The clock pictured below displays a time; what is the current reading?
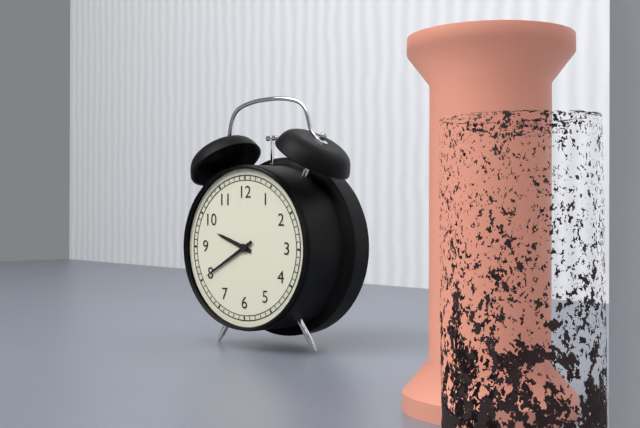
9:40
